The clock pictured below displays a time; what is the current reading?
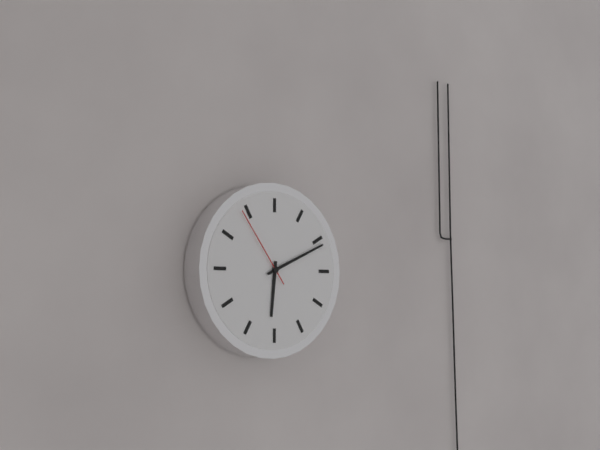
6:11:54
